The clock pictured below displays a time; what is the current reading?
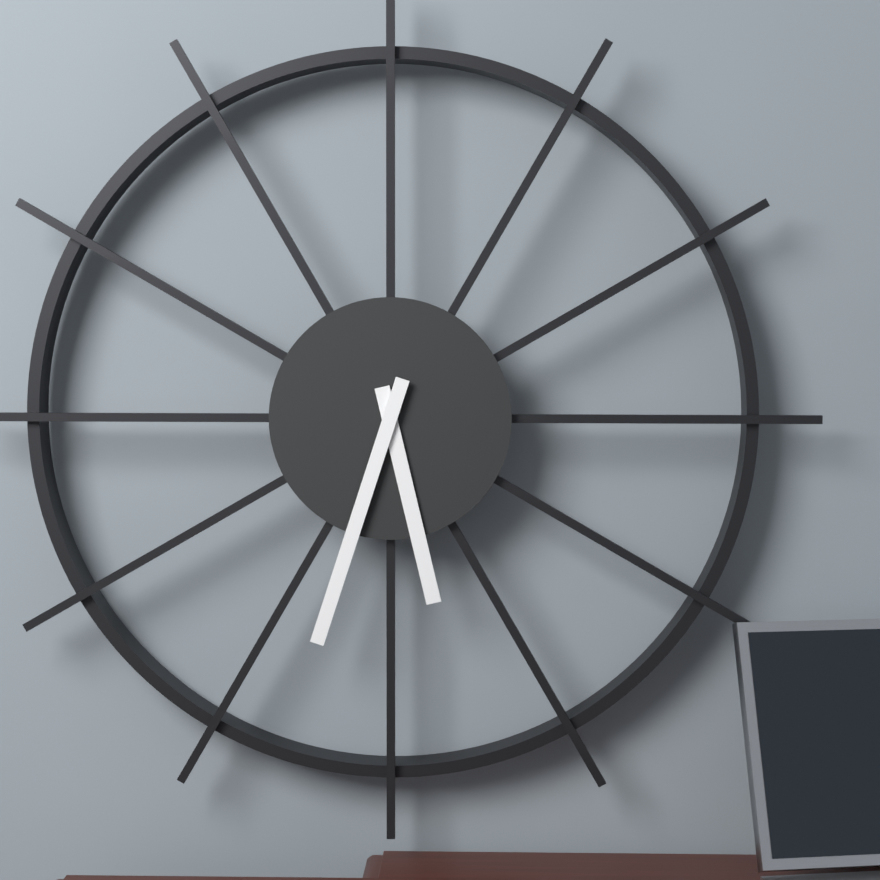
5:33
